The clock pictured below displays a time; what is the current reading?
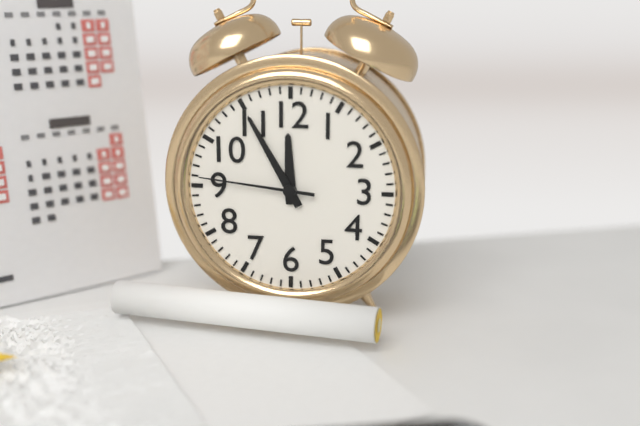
11:55:46
